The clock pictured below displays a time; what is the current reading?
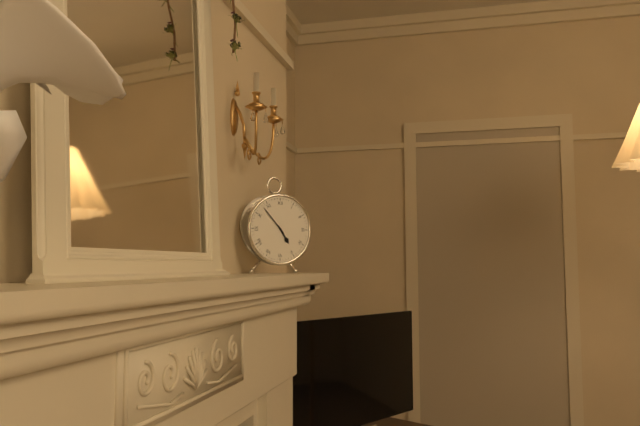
4:53
